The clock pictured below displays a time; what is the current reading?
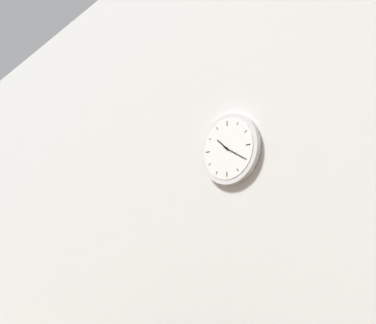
10:20
